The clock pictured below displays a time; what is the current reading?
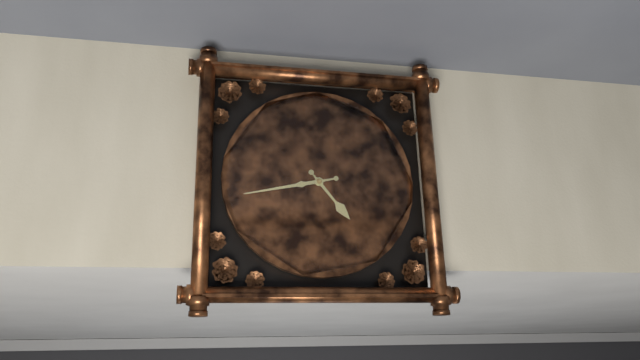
4:43
